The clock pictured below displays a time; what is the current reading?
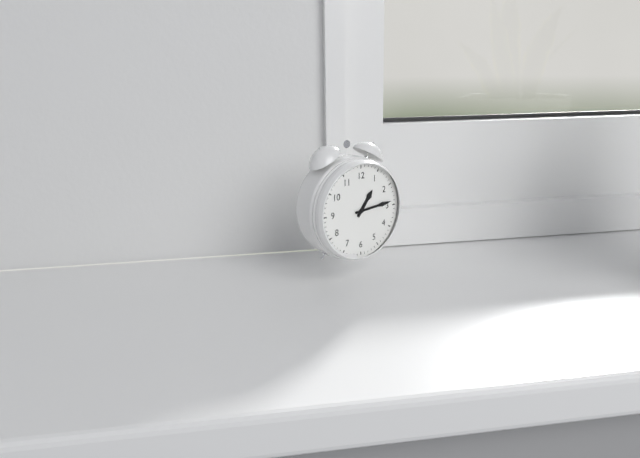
1:14
